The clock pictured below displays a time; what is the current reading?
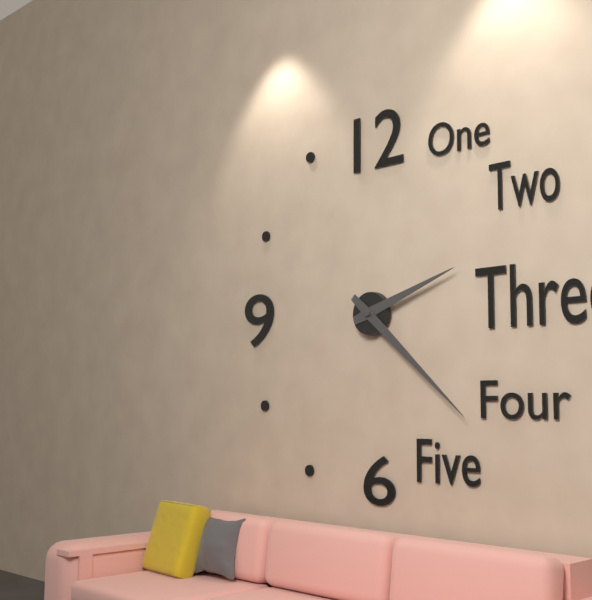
2:22
